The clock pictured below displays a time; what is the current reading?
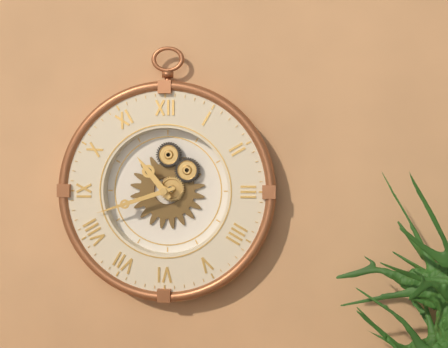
10:42
